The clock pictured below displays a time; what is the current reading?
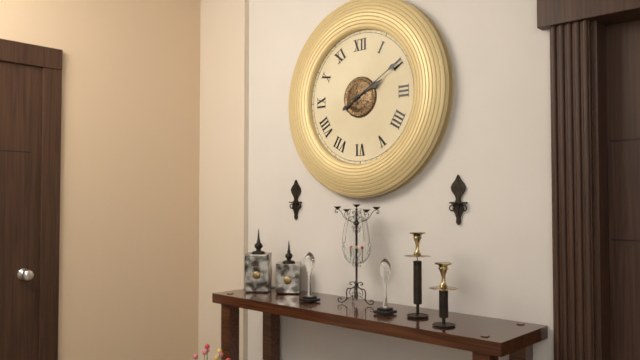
2:10
